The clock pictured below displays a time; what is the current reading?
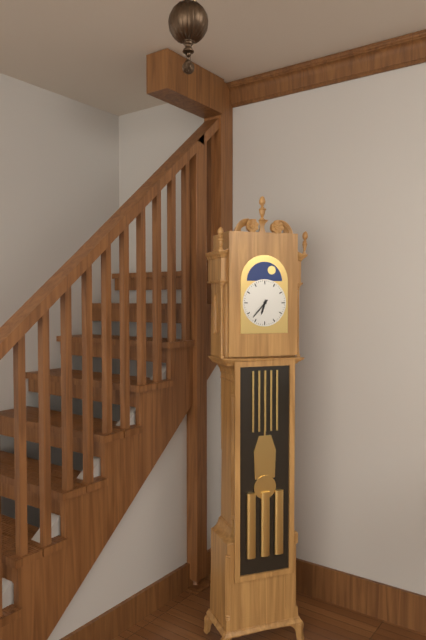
6:37
